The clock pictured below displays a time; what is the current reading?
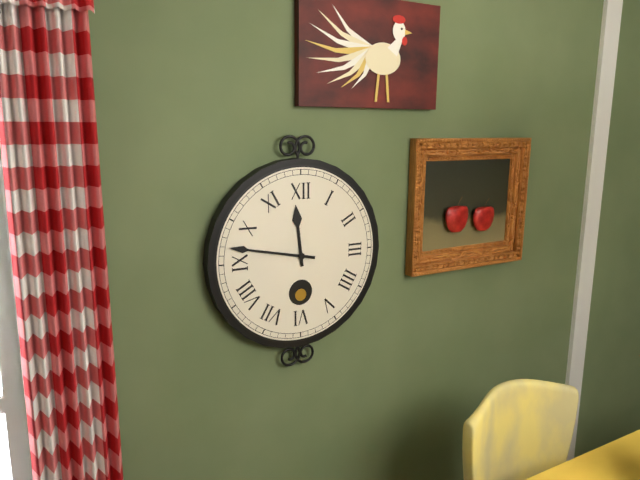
11:47
